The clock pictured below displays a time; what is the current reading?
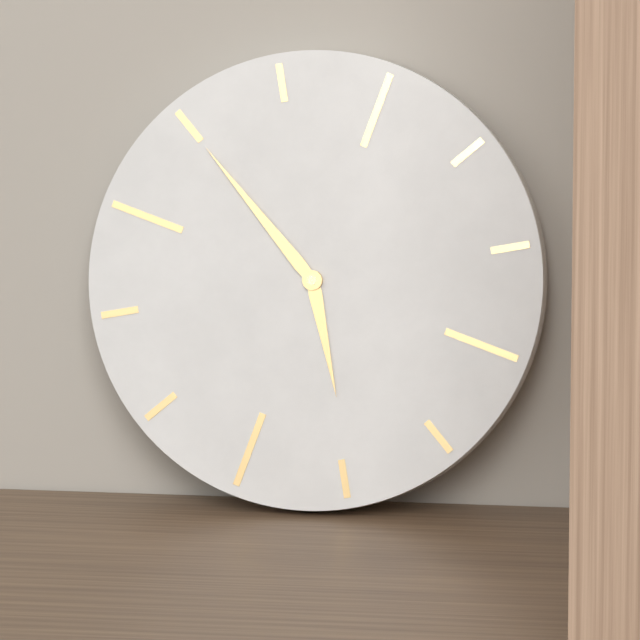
5:55
